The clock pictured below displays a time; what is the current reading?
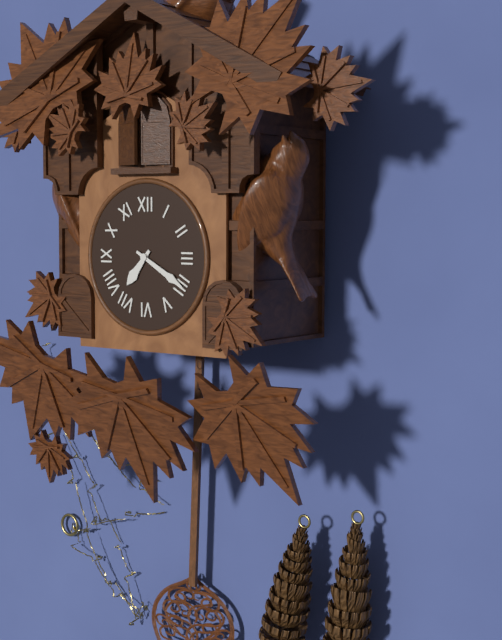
7:20
